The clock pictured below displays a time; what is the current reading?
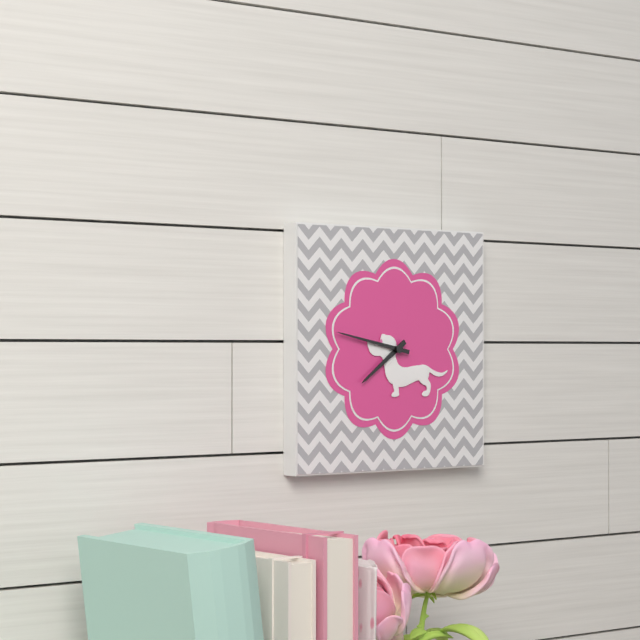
7:47
